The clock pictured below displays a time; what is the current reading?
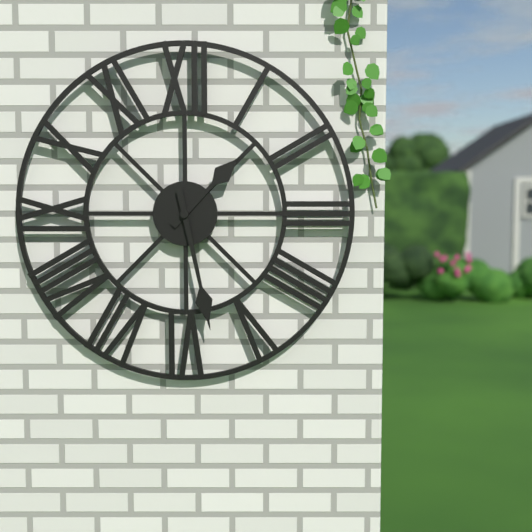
1:28
